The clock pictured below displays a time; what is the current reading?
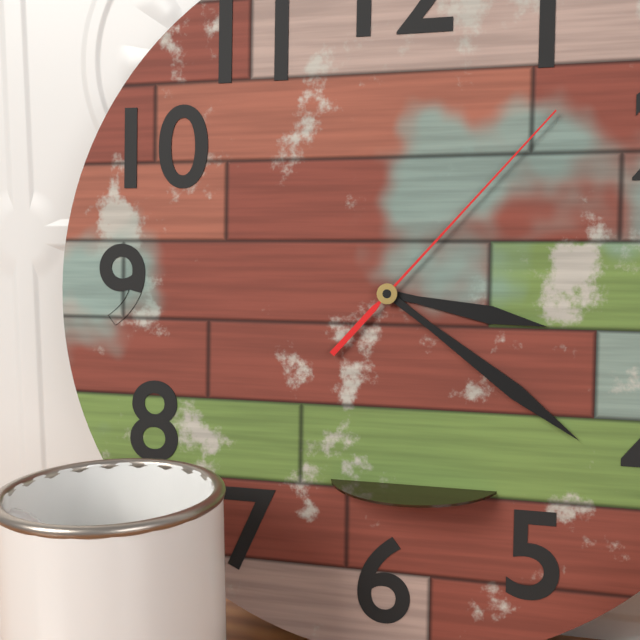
3:21:07
